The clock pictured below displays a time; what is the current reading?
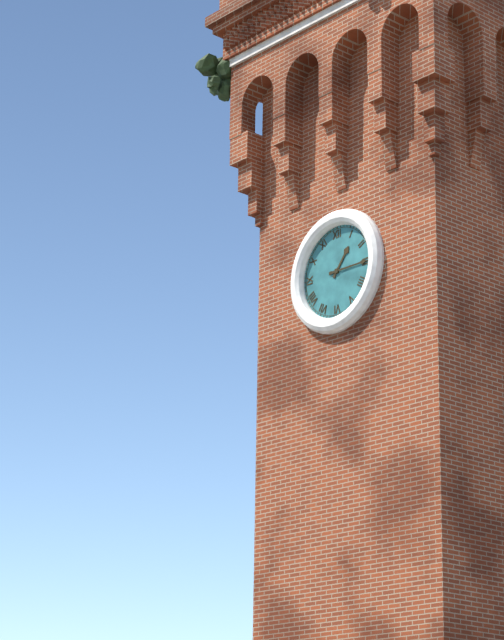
1:15
